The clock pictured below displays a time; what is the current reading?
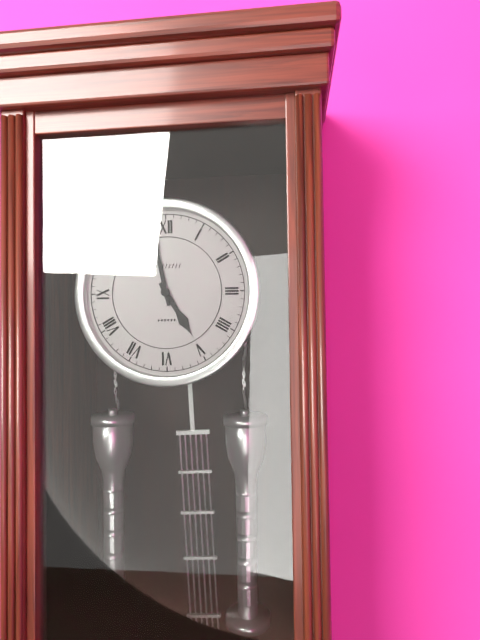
4:58
